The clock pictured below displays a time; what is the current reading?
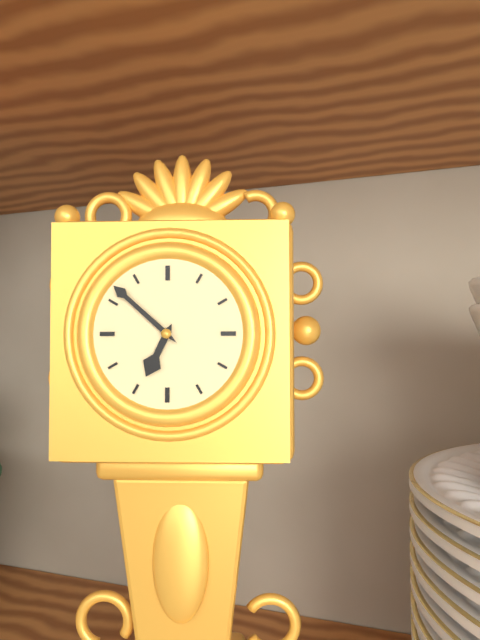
6:52
